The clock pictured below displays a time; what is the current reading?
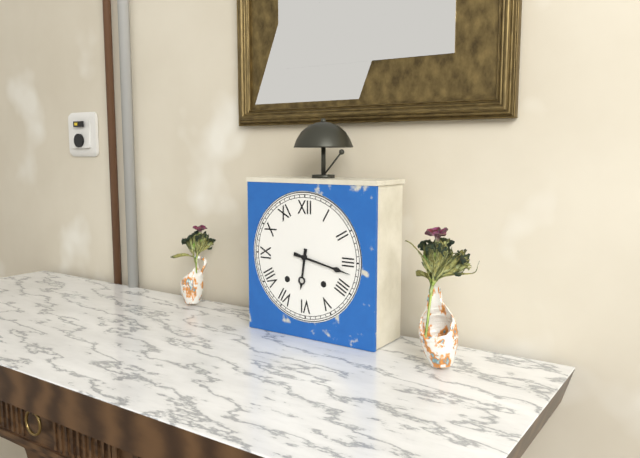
6:17
